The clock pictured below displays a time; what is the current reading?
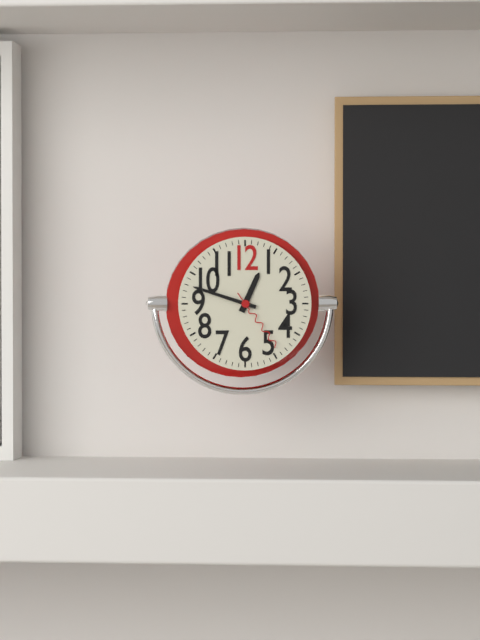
12:48:24
